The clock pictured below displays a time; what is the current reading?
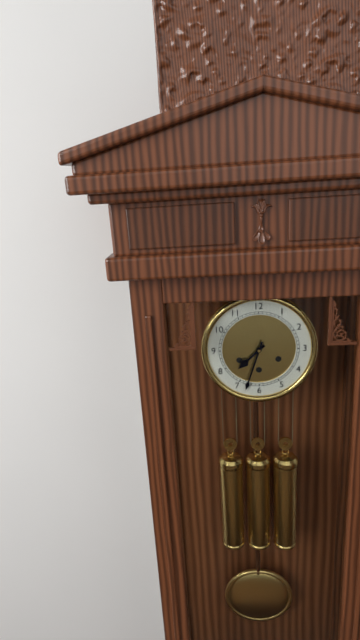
7:33
